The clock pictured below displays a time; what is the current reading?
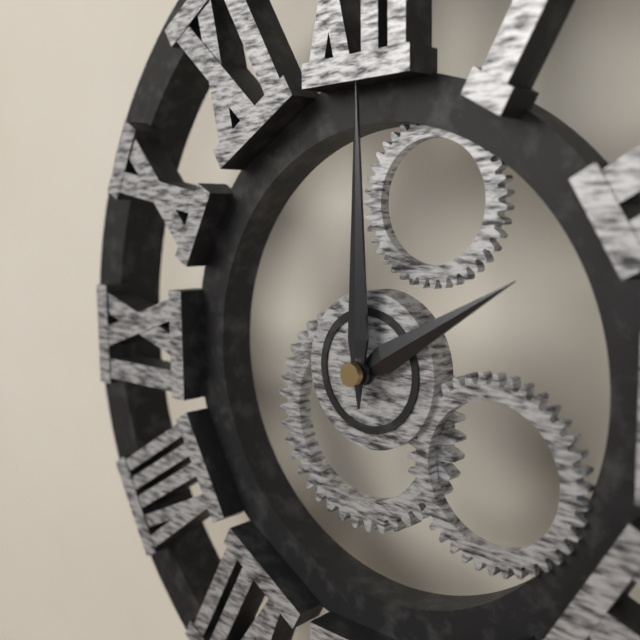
2:00
